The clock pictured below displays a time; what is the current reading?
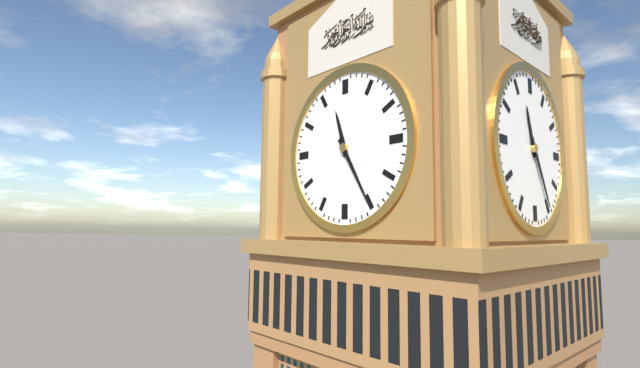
11:25
